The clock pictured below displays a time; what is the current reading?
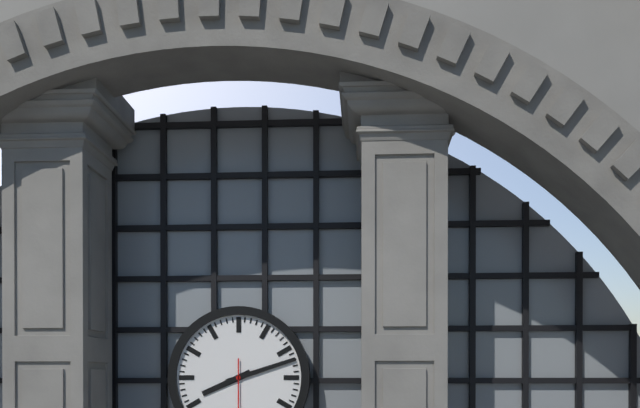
8:12
